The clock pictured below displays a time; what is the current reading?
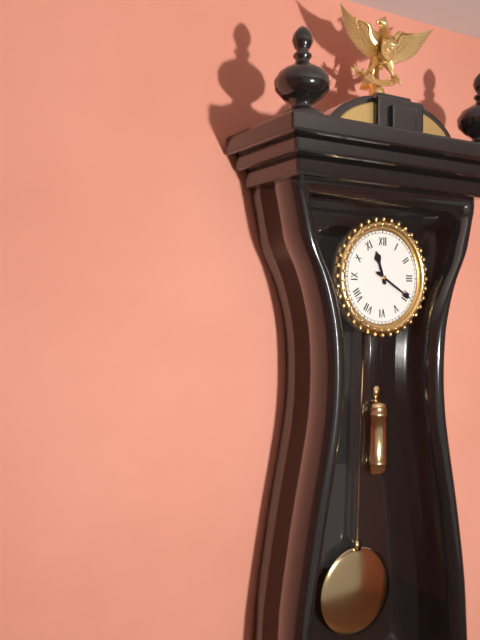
11:20
